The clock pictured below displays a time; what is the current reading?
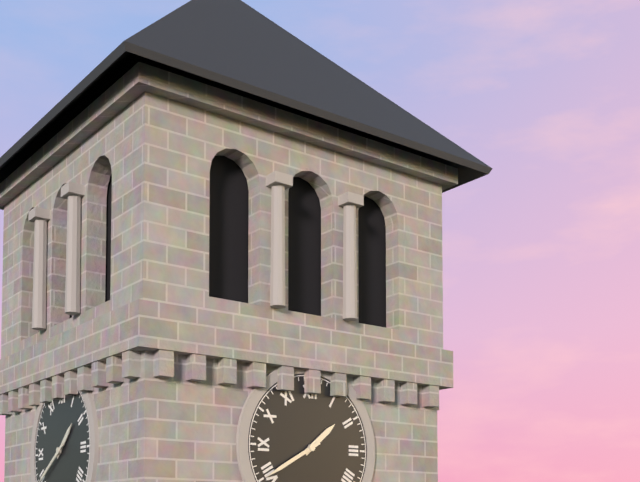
1:40
